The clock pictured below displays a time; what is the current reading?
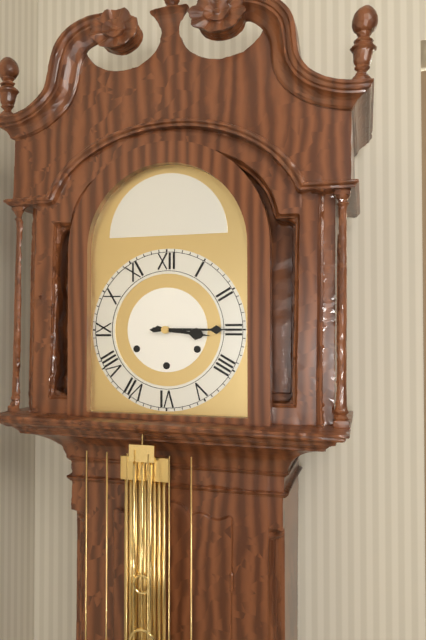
3:15
